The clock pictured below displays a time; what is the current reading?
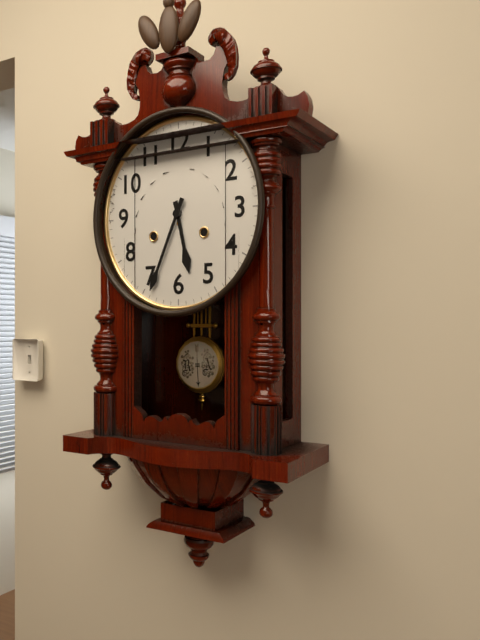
5:34
